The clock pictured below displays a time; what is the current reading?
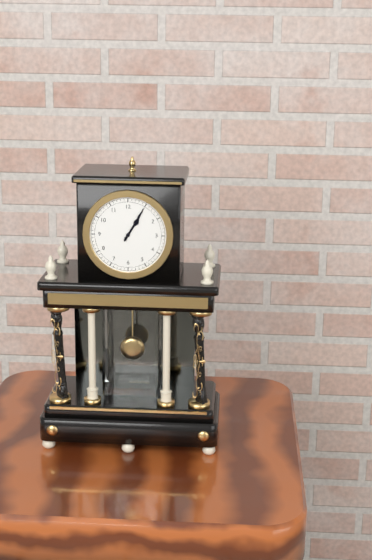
1:05
